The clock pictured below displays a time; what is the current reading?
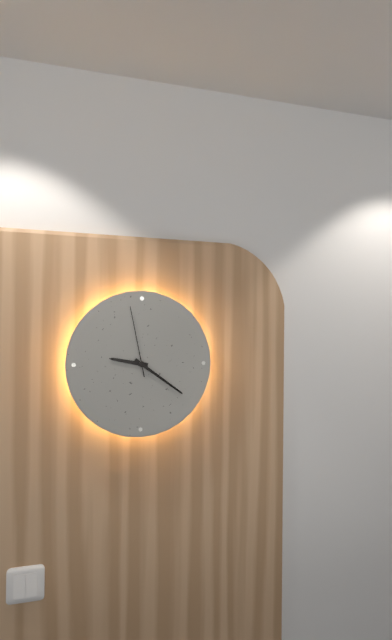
9:21:58
